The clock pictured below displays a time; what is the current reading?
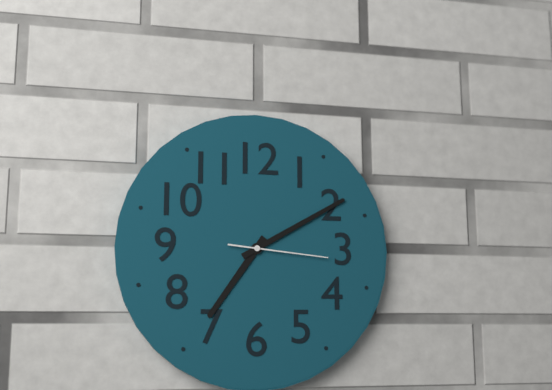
7:10:16
